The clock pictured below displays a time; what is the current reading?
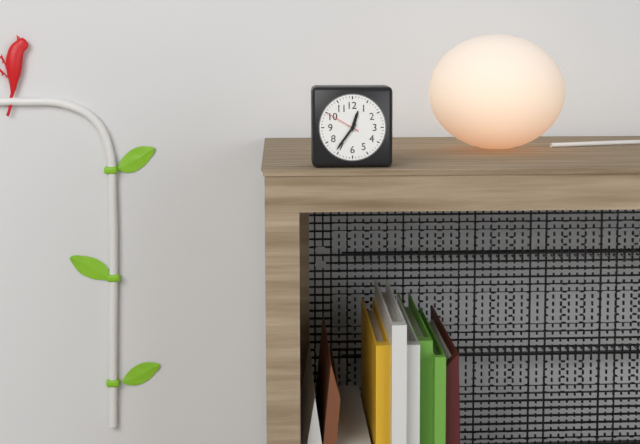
12:36
